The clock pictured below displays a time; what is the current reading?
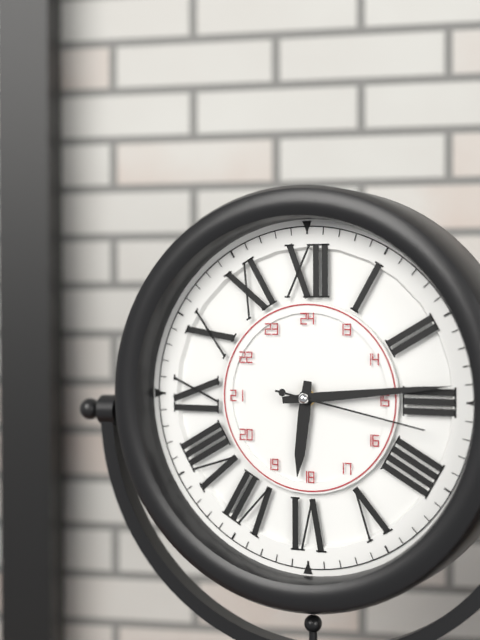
6:14:17
